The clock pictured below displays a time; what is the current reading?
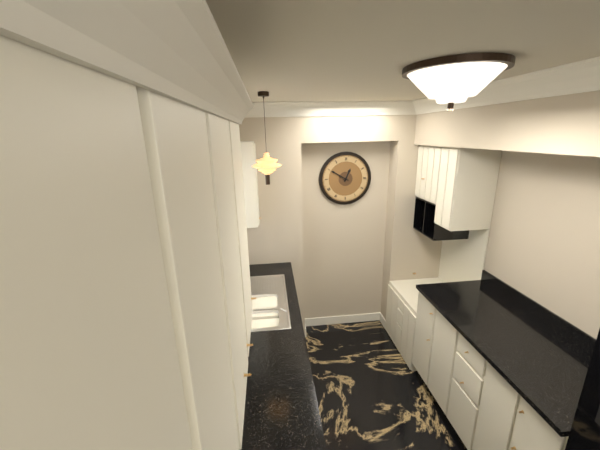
12:50
